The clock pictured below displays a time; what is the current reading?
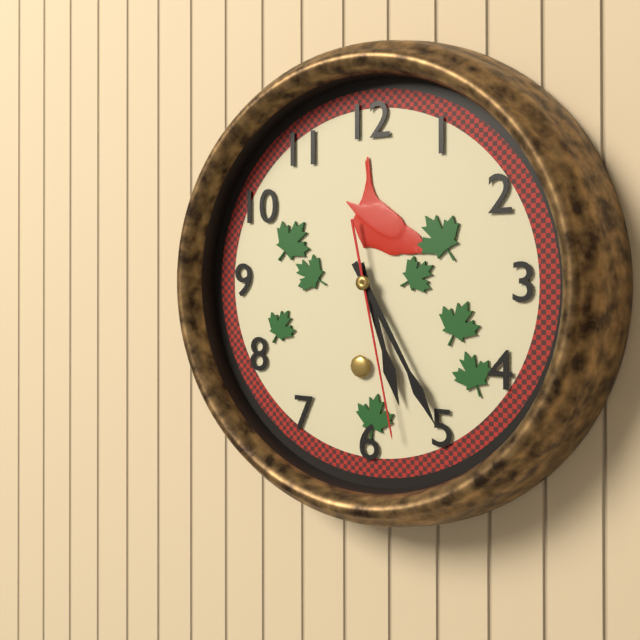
5:25:28
